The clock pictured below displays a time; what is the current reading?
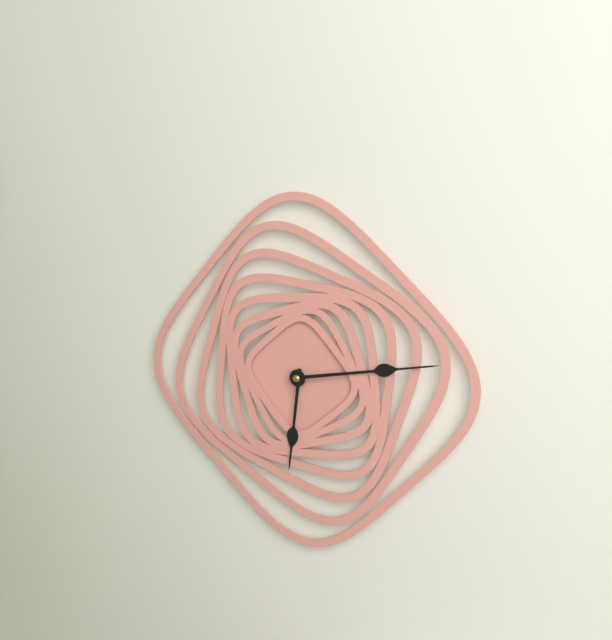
6:13
